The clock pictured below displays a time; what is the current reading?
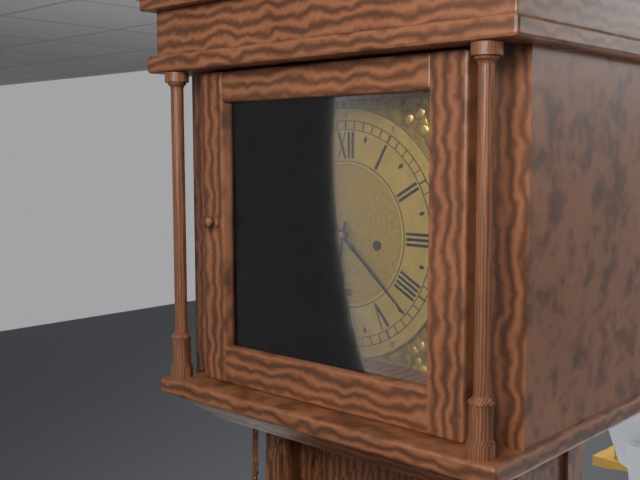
6:22
